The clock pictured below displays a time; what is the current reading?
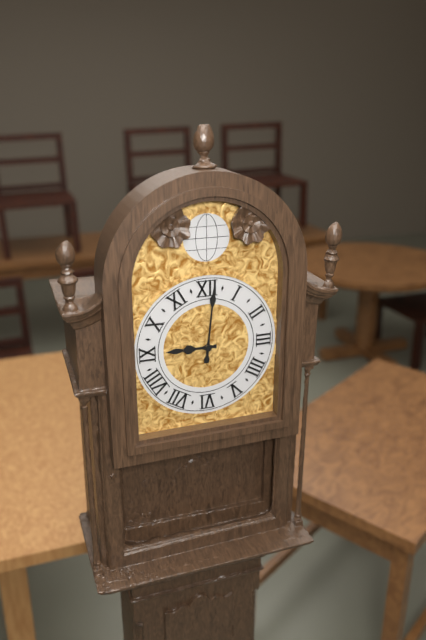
9:01
